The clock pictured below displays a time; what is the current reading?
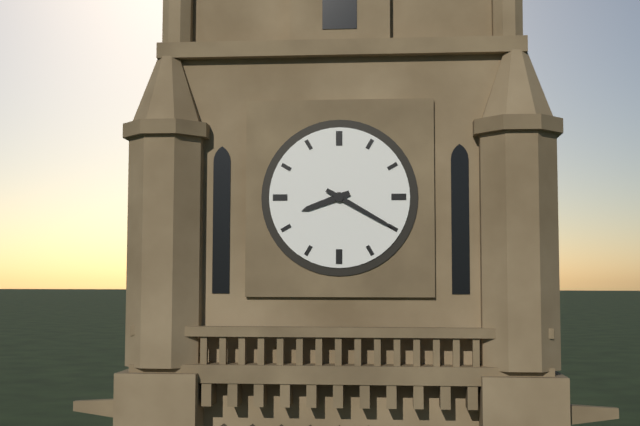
8:20
